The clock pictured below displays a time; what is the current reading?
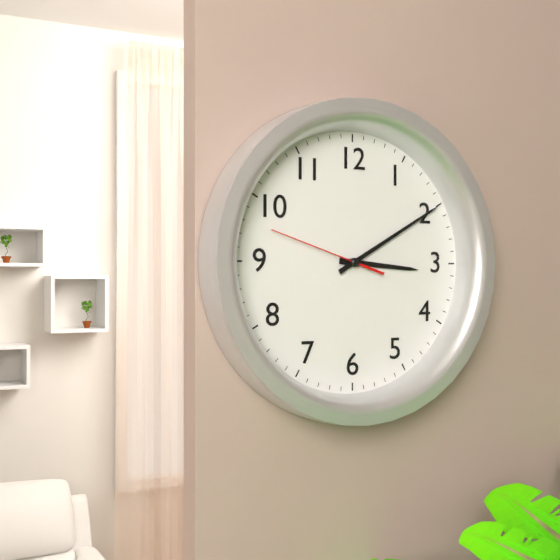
3:10:48
